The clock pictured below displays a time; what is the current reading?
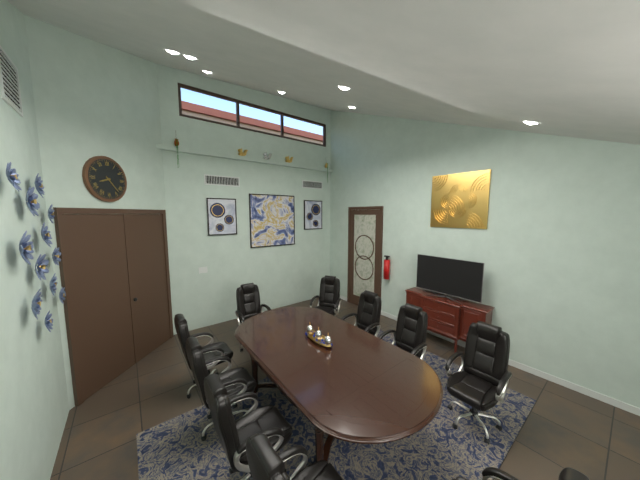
8:23
